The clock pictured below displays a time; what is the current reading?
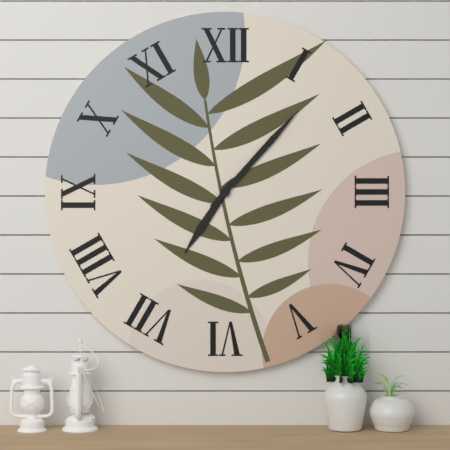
7:07
